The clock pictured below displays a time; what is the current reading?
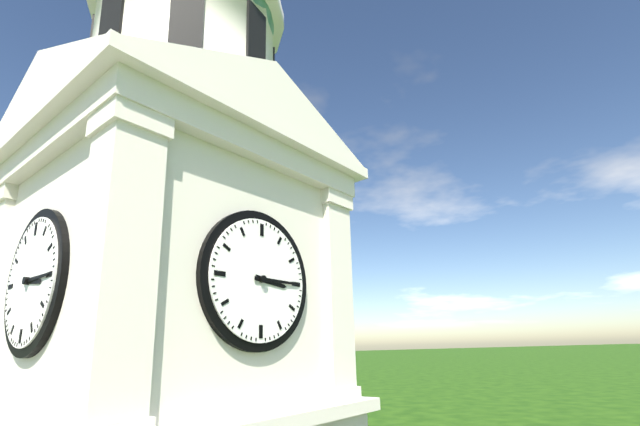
3:15
